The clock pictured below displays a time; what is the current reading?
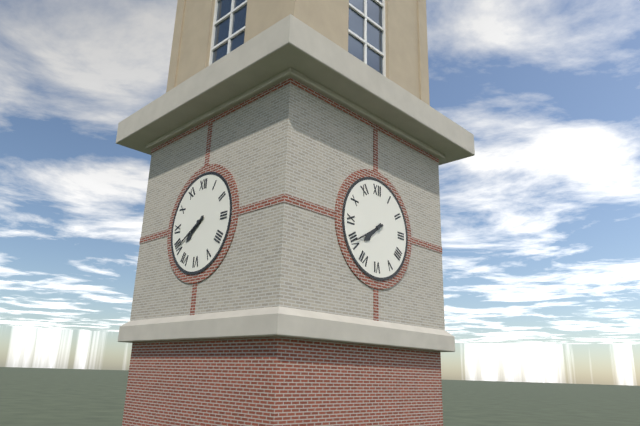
7:40
